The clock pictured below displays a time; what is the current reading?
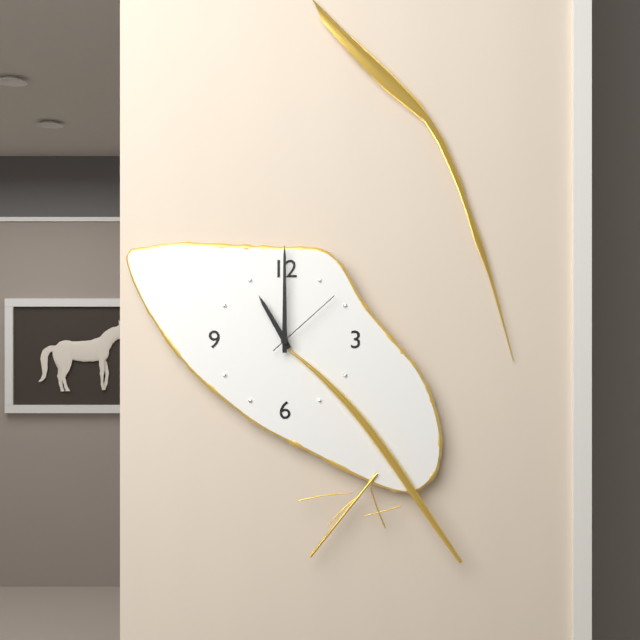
11:00:08
